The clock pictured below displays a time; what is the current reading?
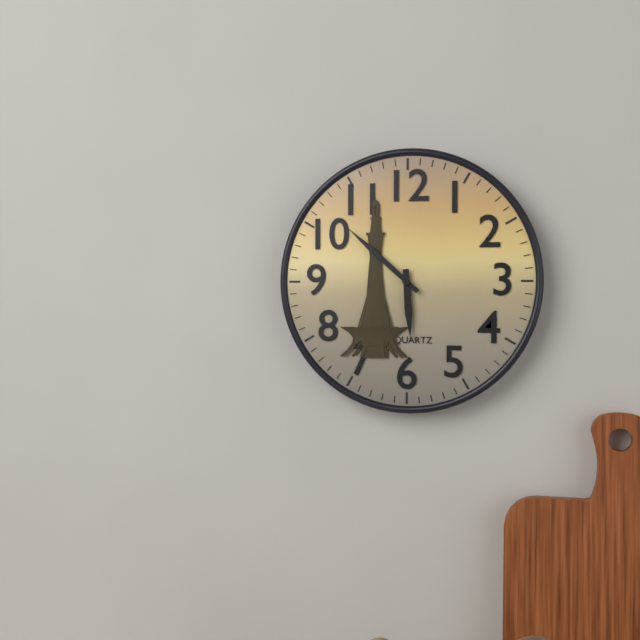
5:52
